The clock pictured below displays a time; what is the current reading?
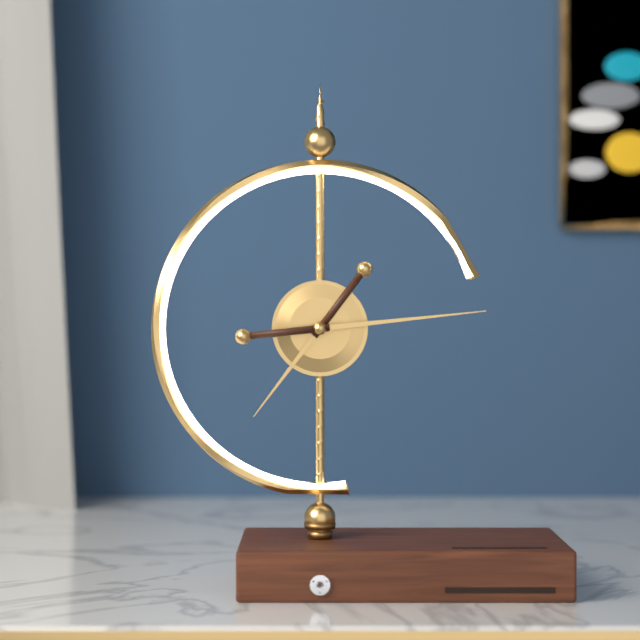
7:14
